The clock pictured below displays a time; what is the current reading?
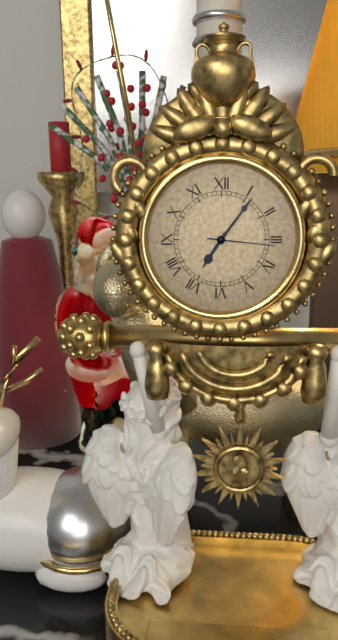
7:06:16
